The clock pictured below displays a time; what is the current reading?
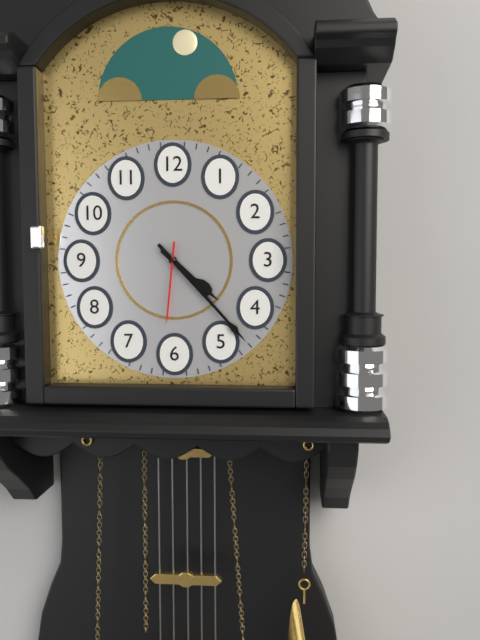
4:23:31
